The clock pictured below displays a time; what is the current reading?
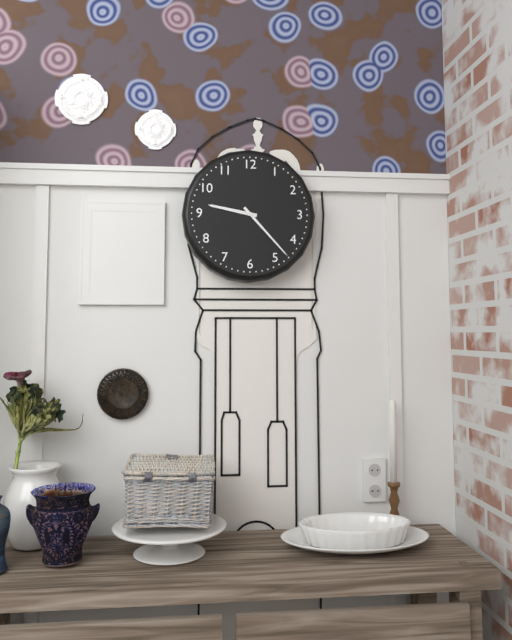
9:23
